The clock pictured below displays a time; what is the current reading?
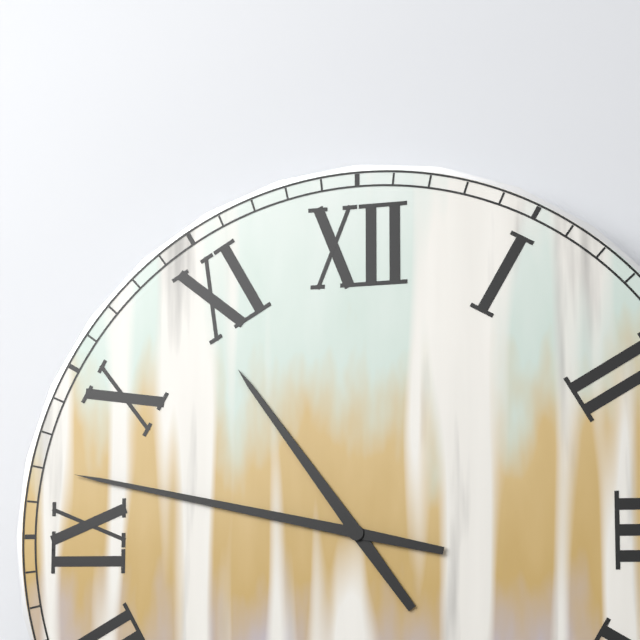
10:47
